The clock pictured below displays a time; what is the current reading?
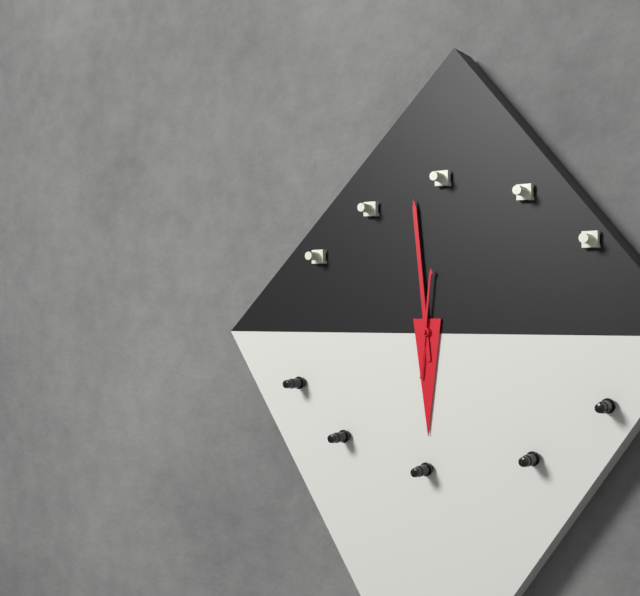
5:59:01
